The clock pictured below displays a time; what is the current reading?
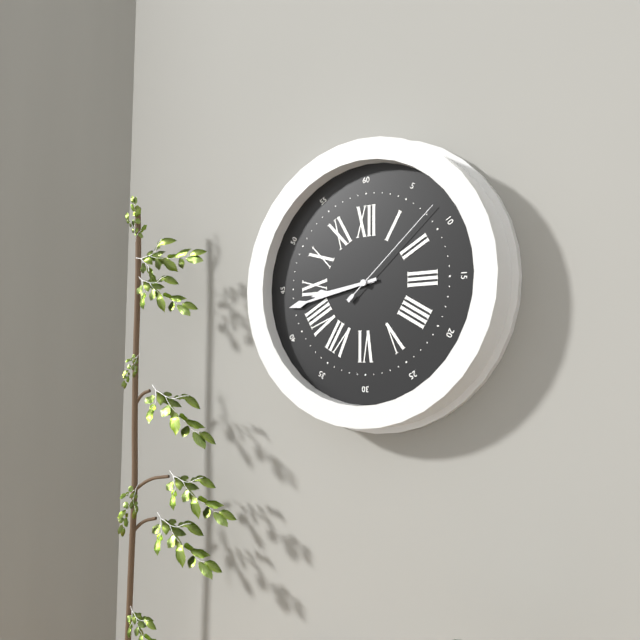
8:43:08
